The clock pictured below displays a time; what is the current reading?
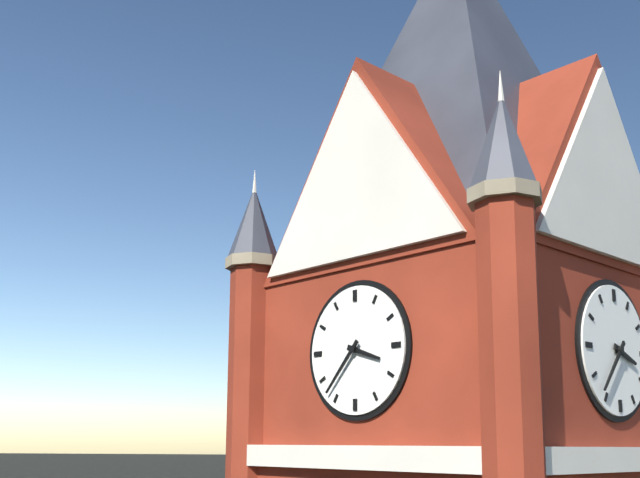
3:37
